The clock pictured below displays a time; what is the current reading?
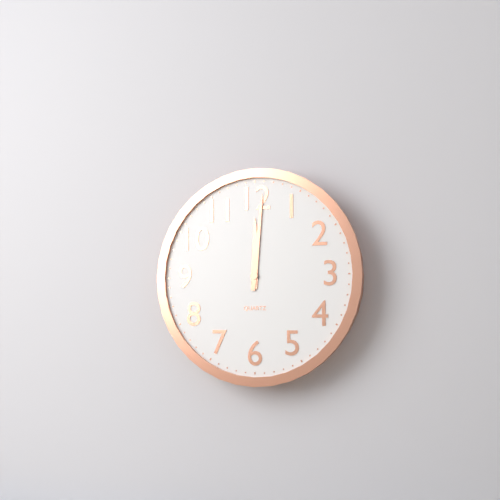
12:01
